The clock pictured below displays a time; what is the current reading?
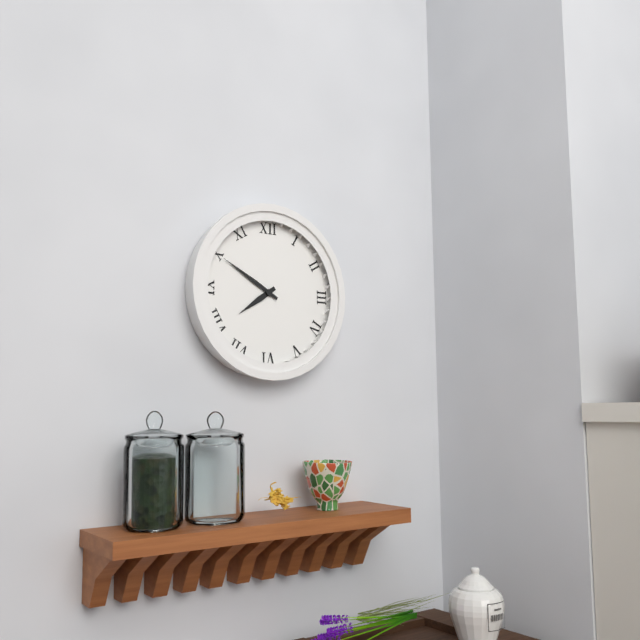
7:50
